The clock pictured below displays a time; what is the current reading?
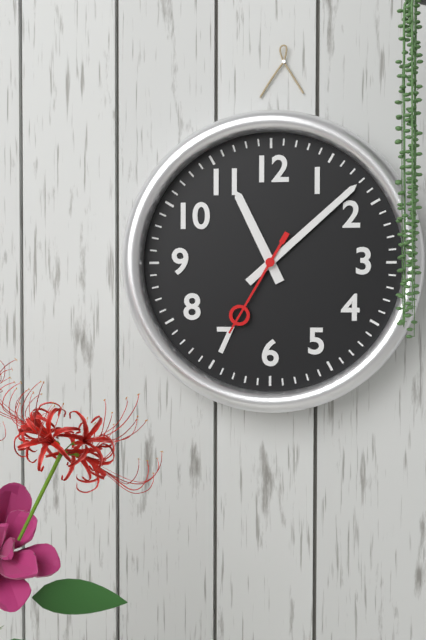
11:08:35
